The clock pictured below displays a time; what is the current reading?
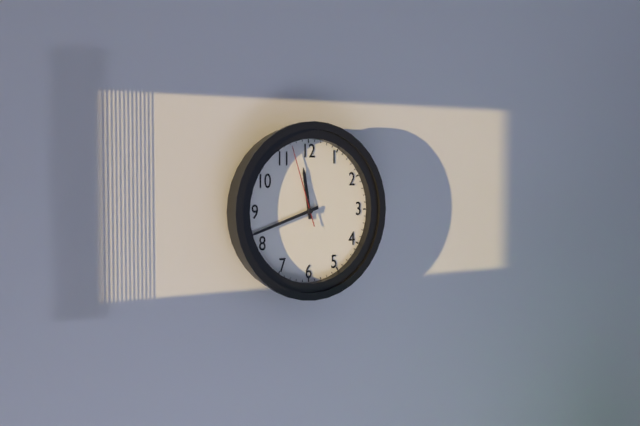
11:42:57
